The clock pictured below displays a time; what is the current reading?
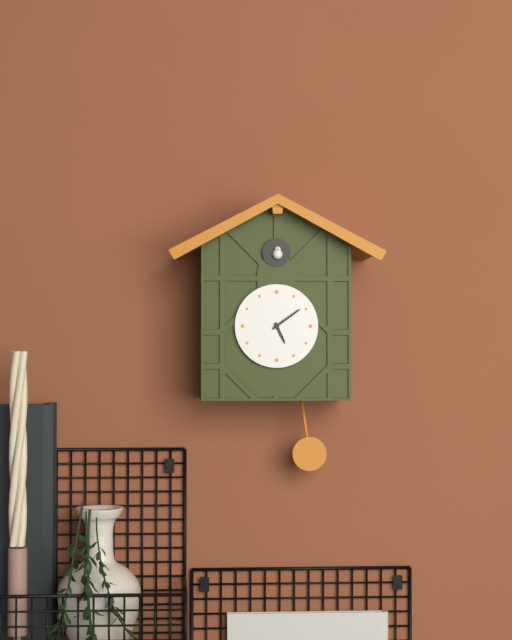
5:09
